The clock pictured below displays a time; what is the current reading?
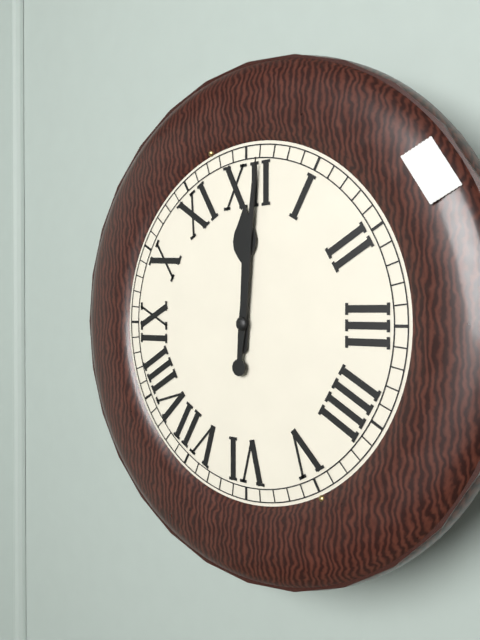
12:01
